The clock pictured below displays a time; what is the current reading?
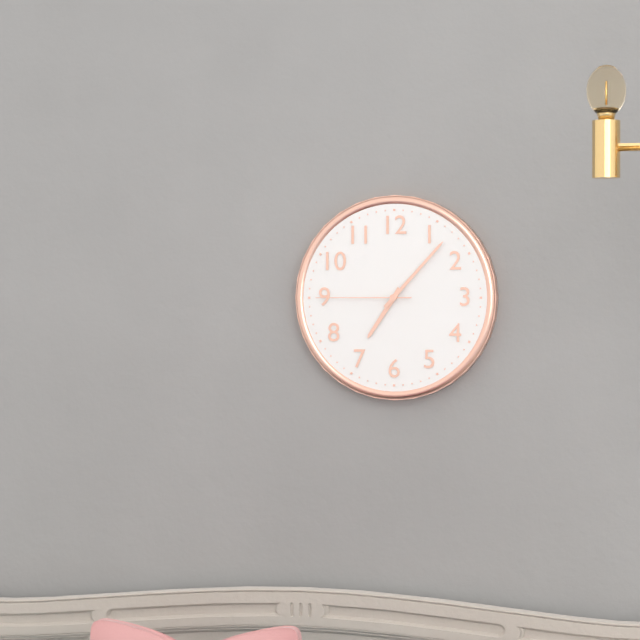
7:07:45
